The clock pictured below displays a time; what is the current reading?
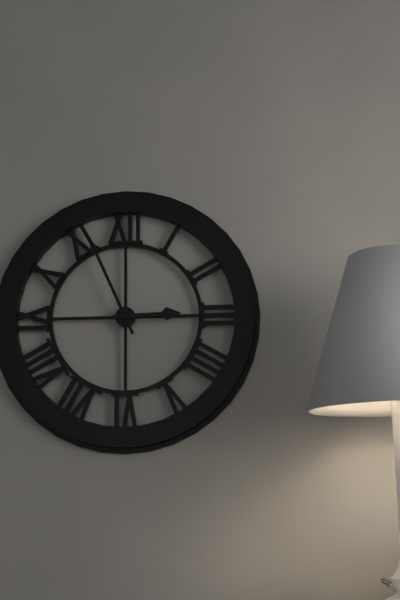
2:56
